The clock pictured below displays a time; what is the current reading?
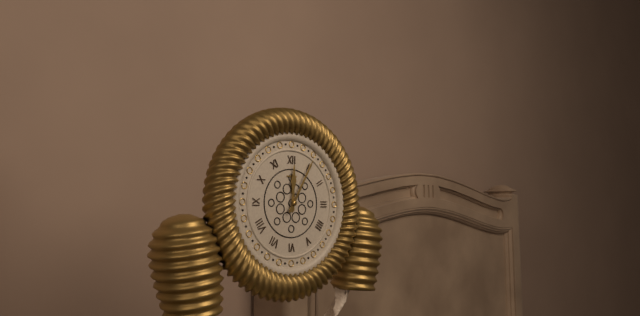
12:05
